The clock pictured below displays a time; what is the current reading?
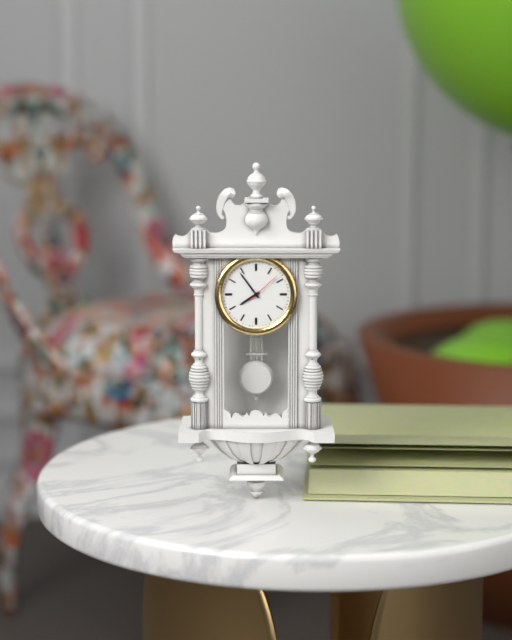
7:54
